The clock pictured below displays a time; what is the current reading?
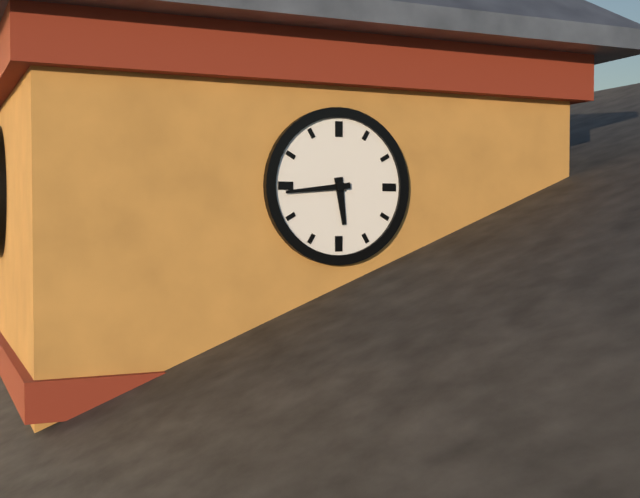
5:44
